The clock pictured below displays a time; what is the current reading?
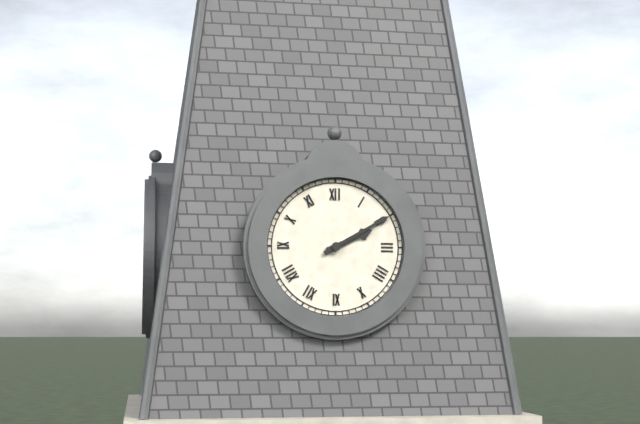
2:10
